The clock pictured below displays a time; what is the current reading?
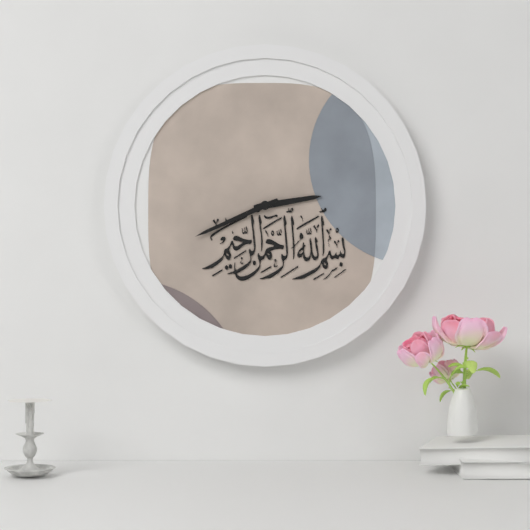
2:41
